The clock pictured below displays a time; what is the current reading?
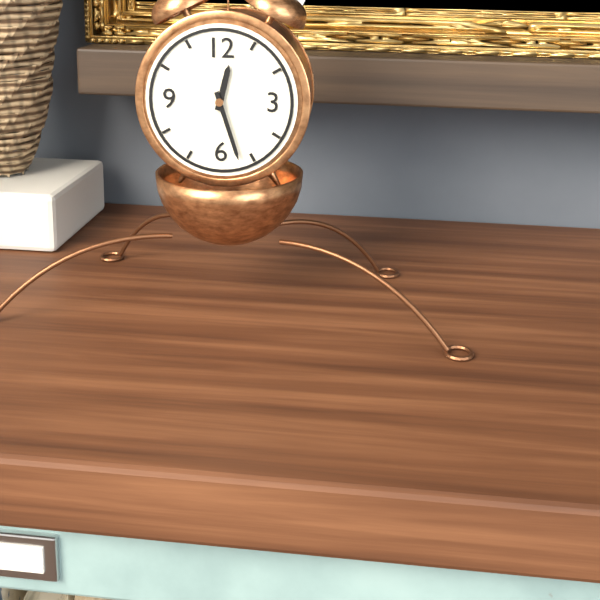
12:27
